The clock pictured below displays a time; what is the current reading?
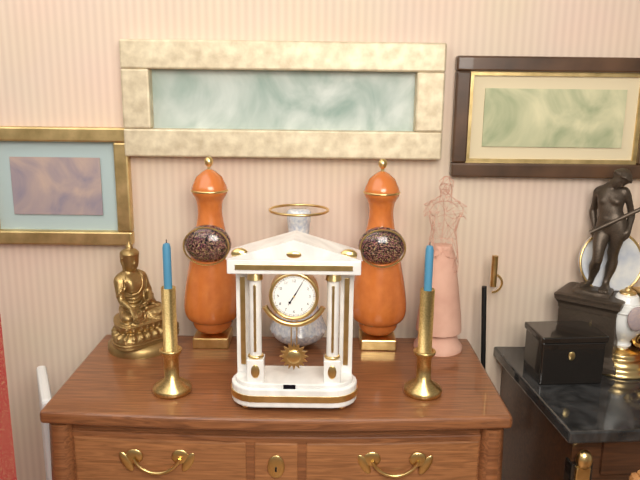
7:05
